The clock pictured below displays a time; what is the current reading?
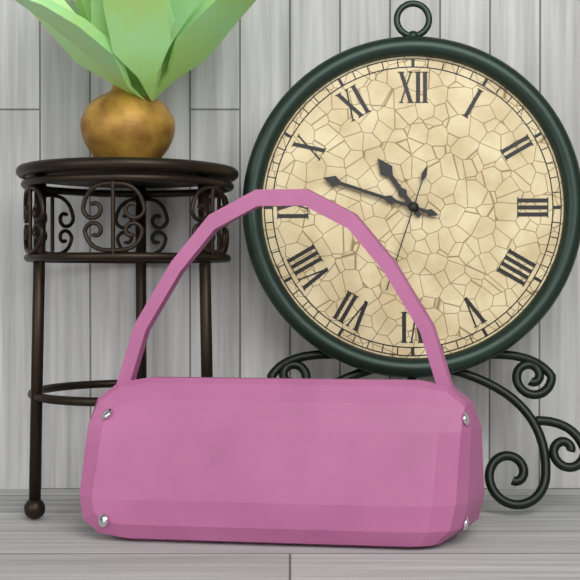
10:48:33
